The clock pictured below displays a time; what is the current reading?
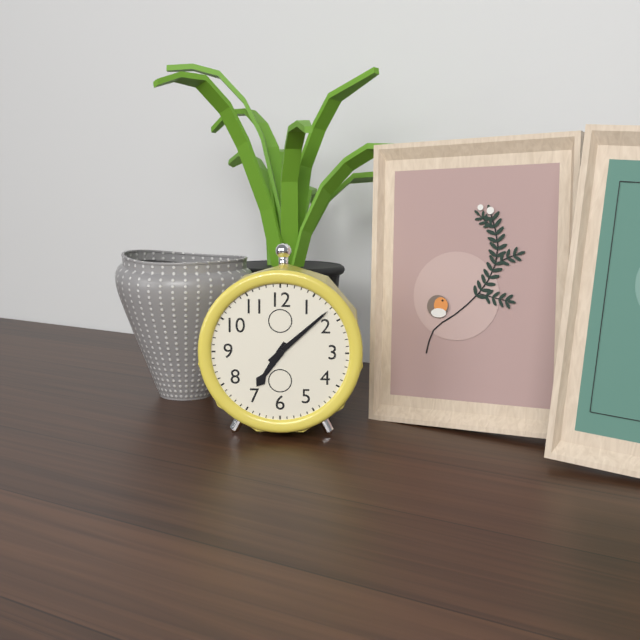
7:08
